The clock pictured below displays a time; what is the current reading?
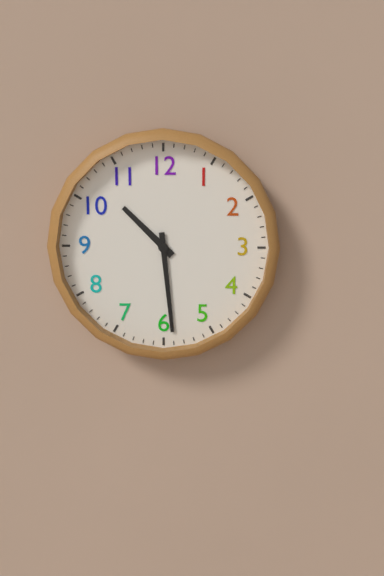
10:29
